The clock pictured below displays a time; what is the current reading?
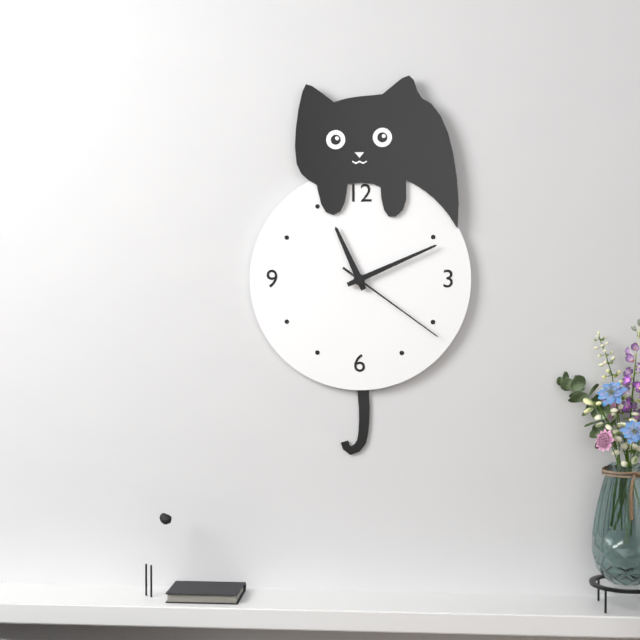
11:11:21
